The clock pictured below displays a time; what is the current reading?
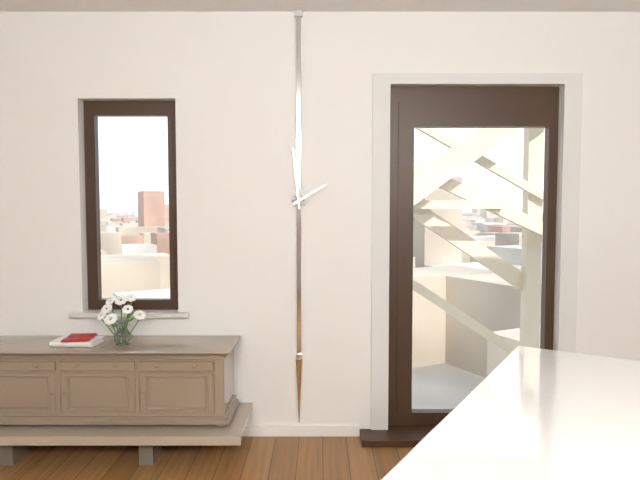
1:59
